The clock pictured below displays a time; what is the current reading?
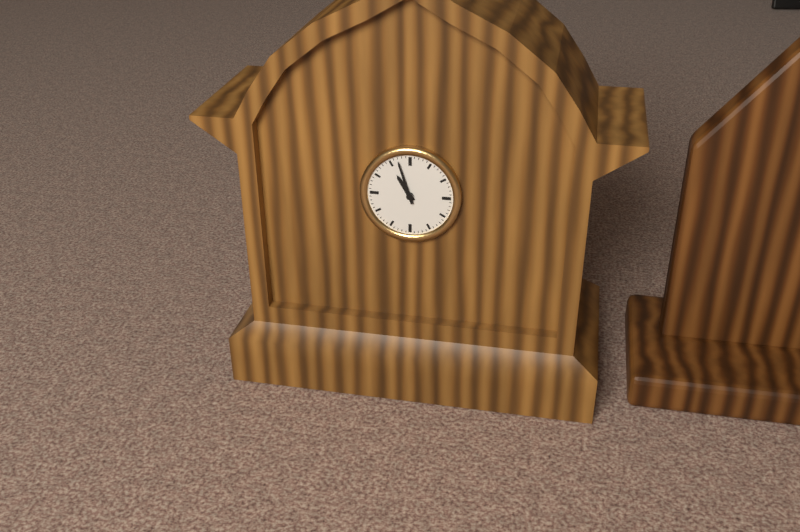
10:57
